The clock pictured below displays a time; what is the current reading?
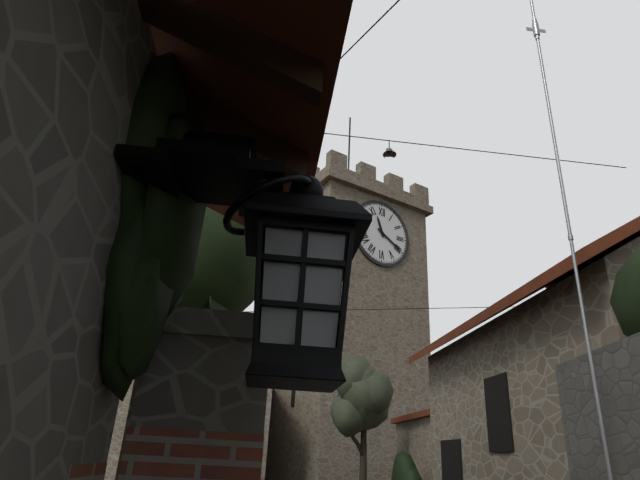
11:20
